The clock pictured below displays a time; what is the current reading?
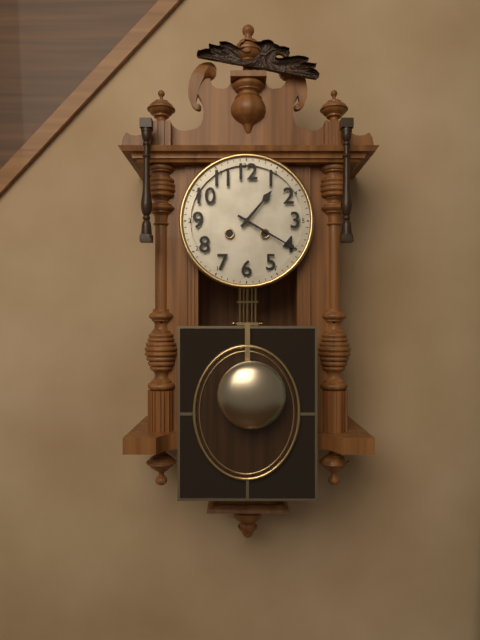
1:20
